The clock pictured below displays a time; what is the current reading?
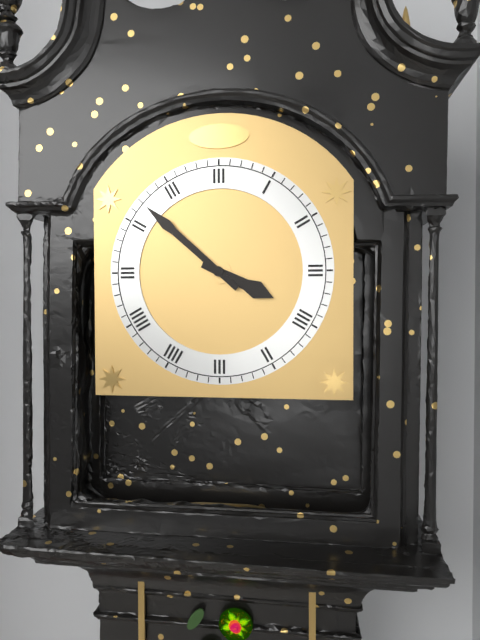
3:52
